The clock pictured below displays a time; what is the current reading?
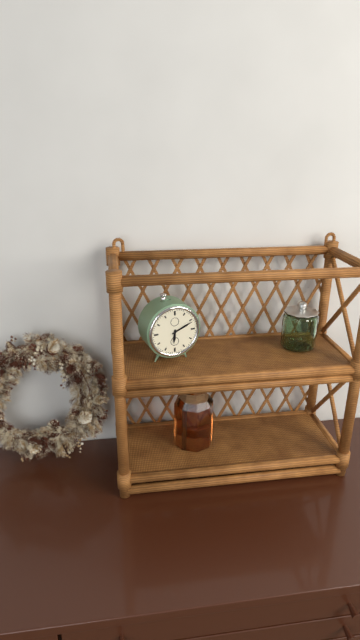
6:11
